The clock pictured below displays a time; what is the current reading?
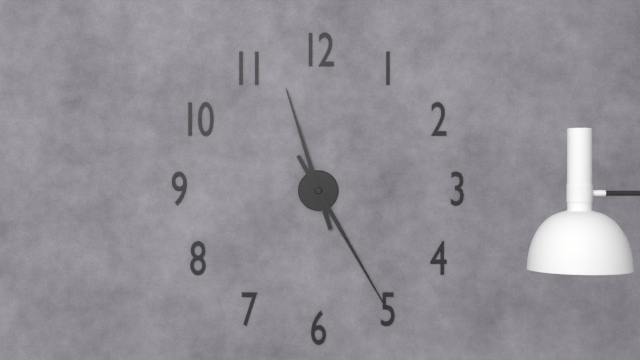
11:25
